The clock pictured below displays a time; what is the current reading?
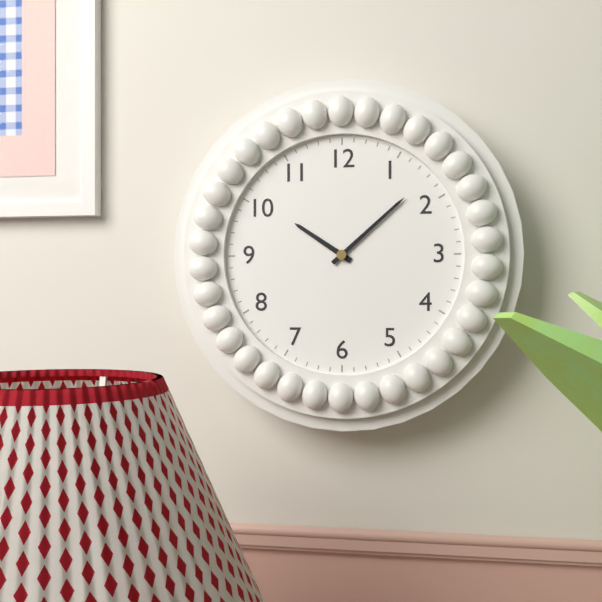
10:08
